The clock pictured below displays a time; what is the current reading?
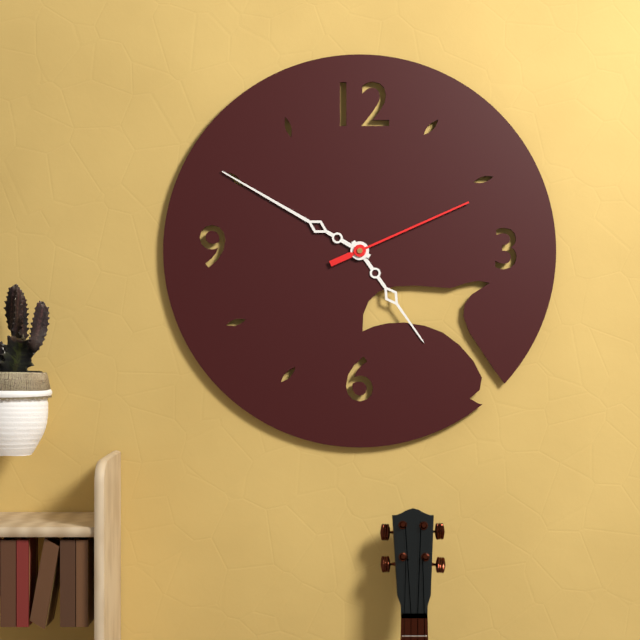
4:50:11
